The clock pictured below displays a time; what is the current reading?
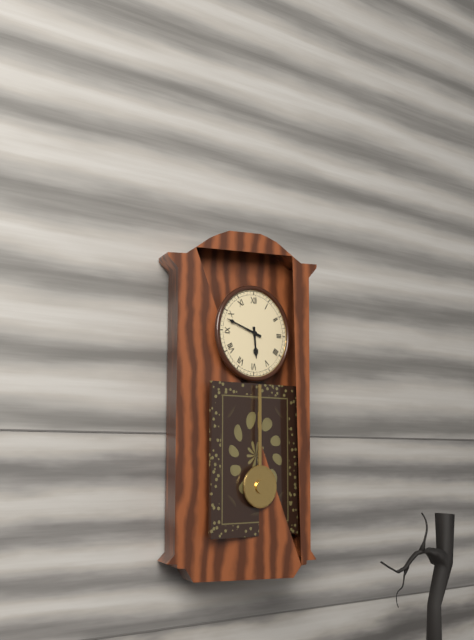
5:48
